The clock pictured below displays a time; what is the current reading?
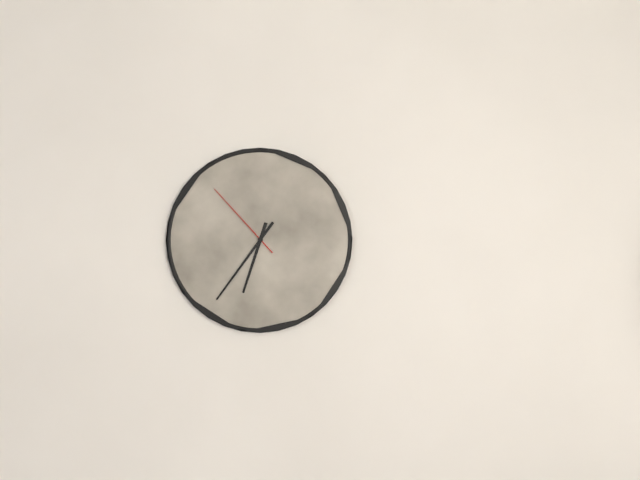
6:36:53
